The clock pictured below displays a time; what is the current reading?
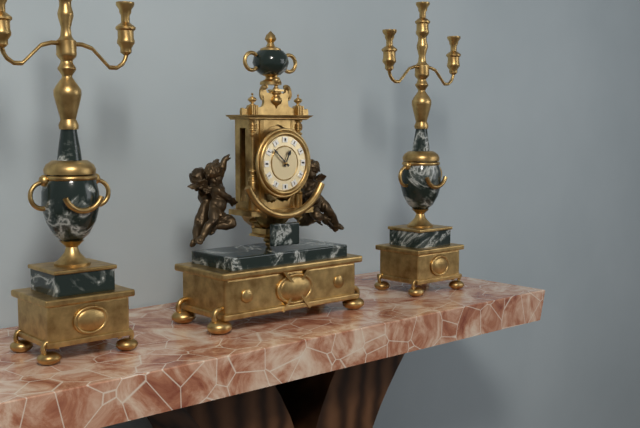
12:52
